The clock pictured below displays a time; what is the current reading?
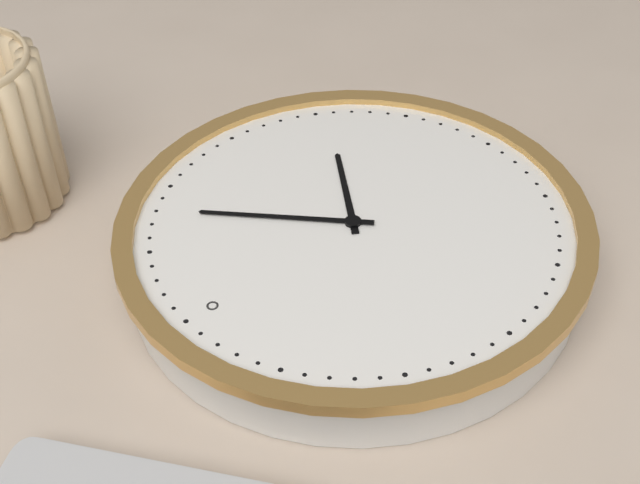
4:08
